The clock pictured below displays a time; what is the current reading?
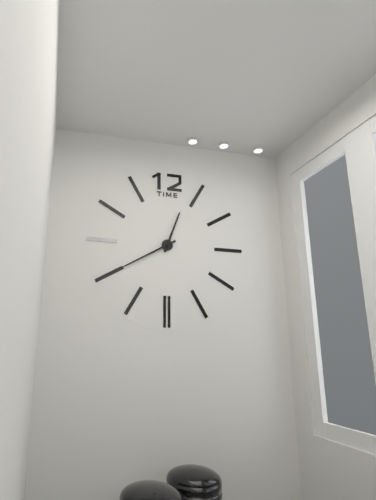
12:40
